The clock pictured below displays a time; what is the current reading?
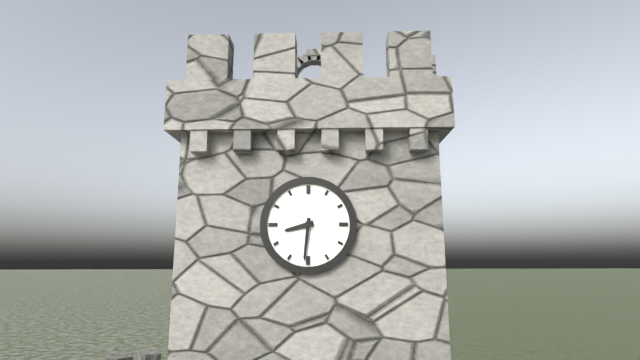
8:31
